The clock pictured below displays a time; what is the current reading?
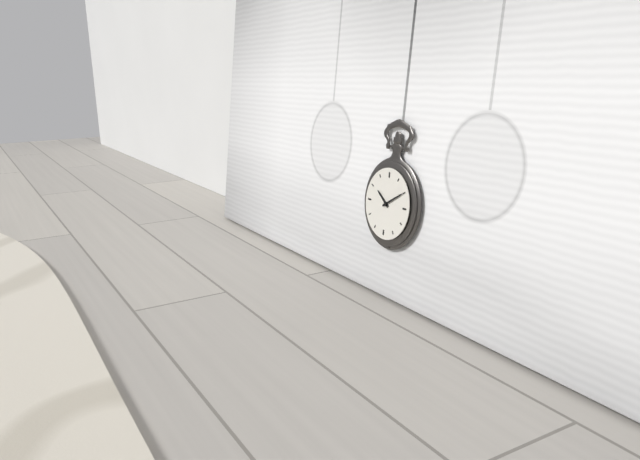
10:10
